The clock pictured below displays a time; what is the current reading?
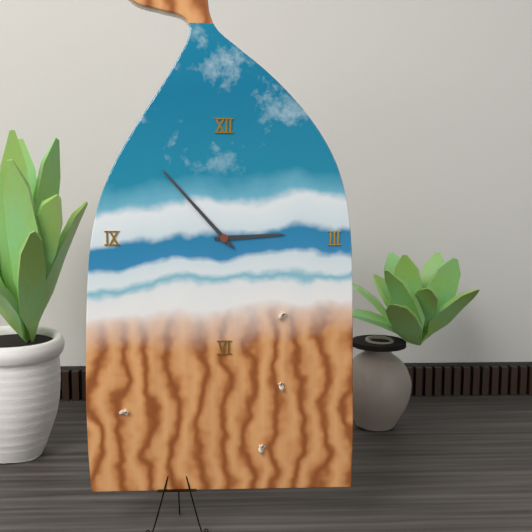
2:53
